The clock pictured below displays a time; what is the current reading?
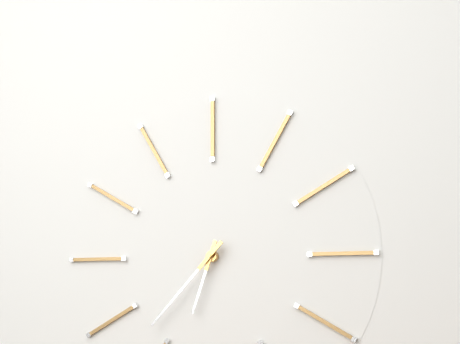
6:37
